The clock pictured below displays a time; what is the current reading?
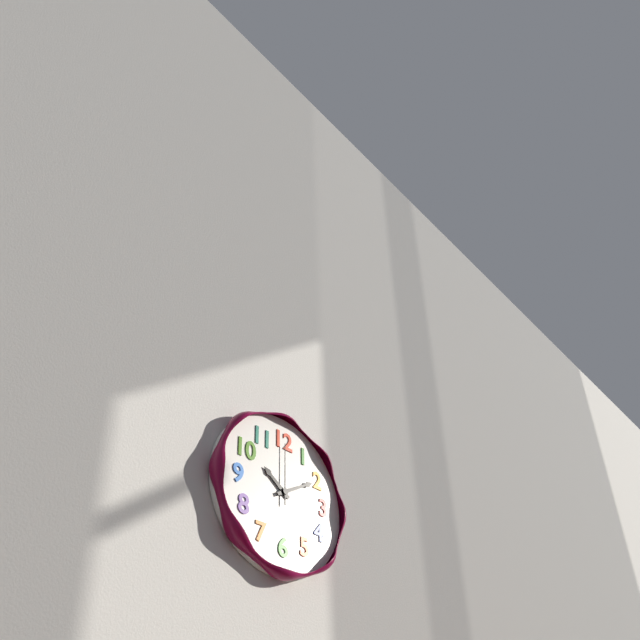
10:10:00
